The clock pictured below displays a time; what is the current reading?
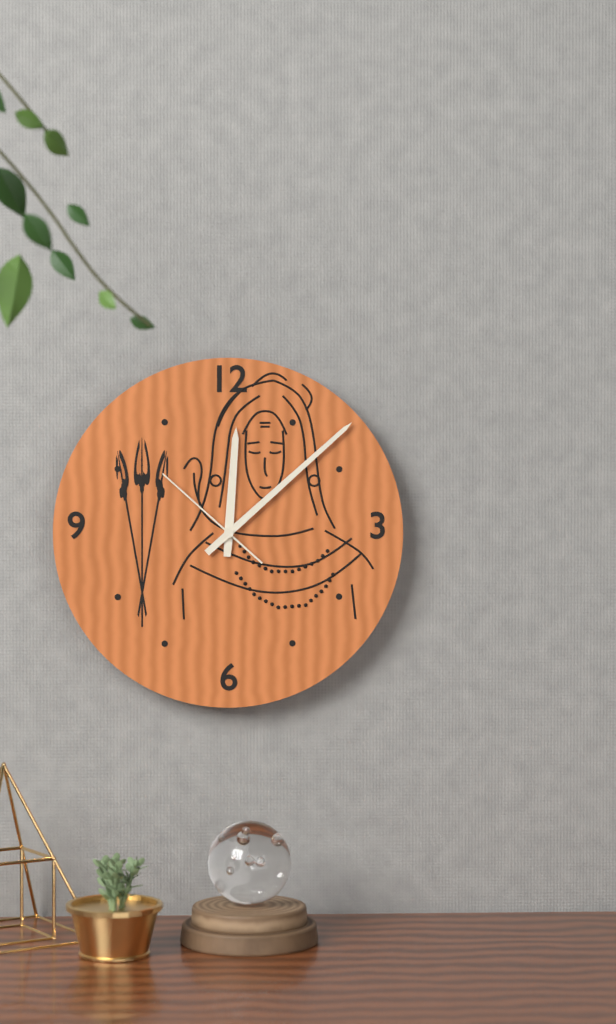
12:08:52
